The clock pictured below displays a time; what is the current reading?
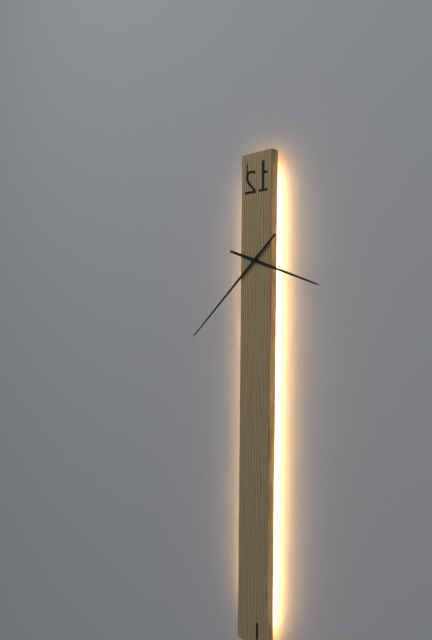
3:38
